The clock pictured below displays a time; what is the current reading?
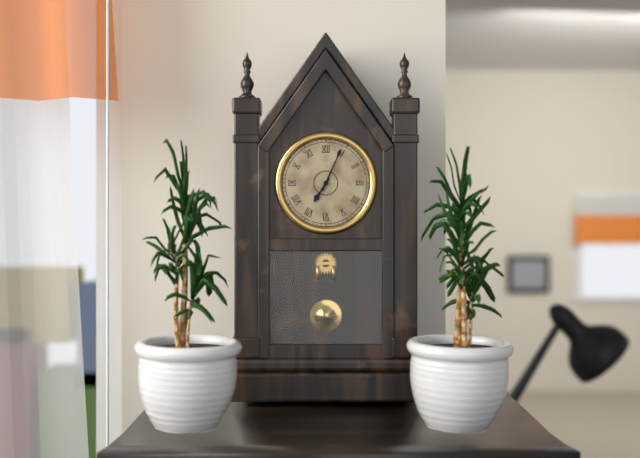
7:04
